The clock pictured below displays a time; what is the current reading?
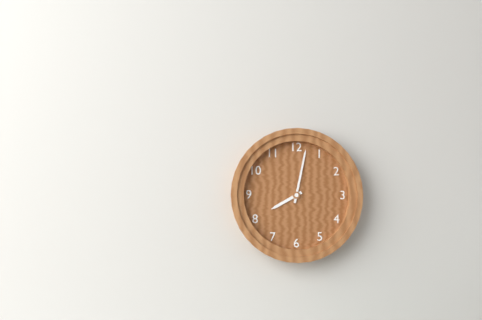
8:02
